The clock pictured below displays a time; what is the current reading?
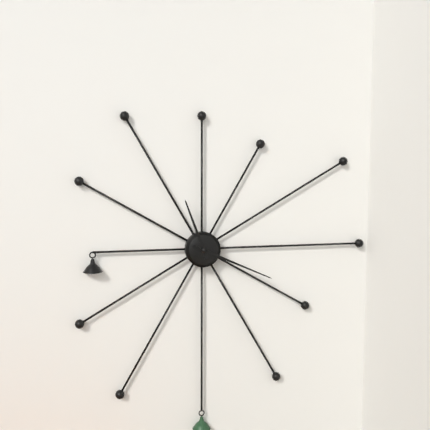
11:19
